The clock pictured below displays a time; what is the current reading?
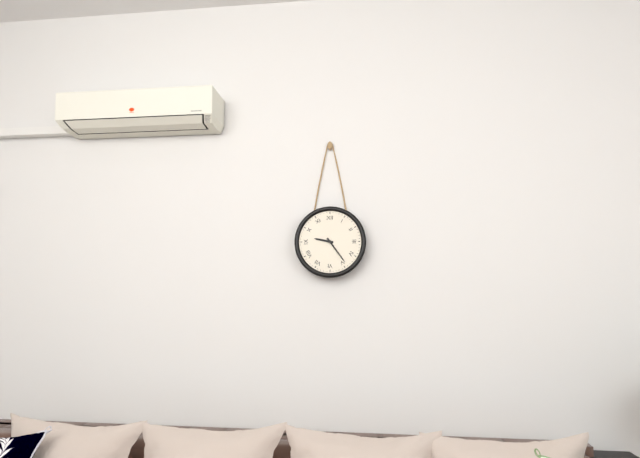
9:24
